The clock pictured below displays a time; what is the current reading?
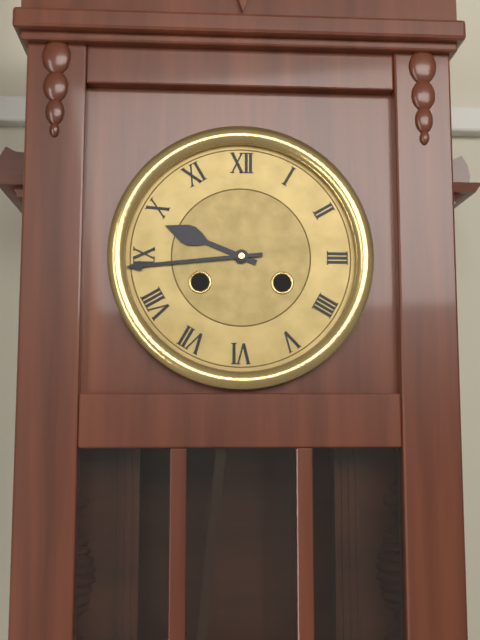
9:44
